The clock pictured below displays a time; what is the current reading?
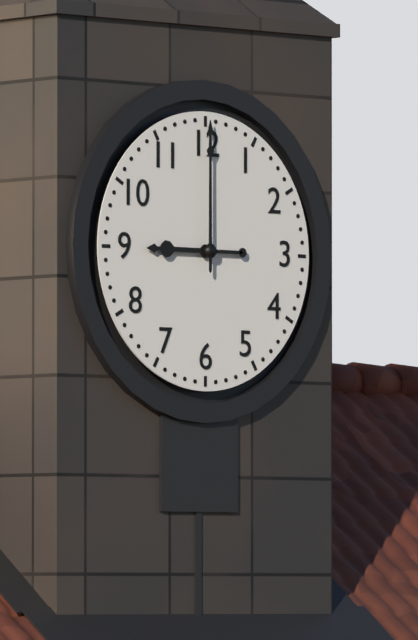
9:00
